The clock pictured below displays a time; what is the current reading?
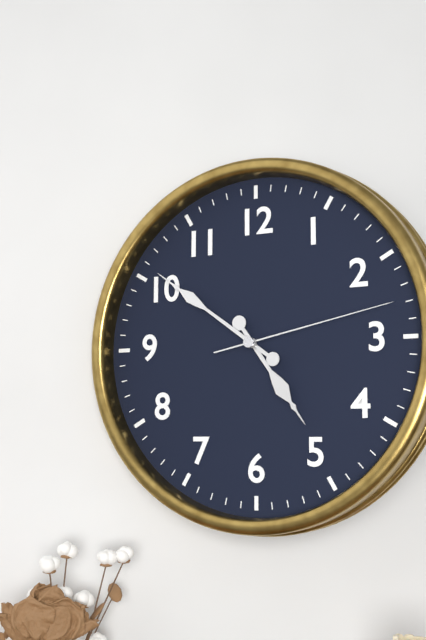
4:51:13
